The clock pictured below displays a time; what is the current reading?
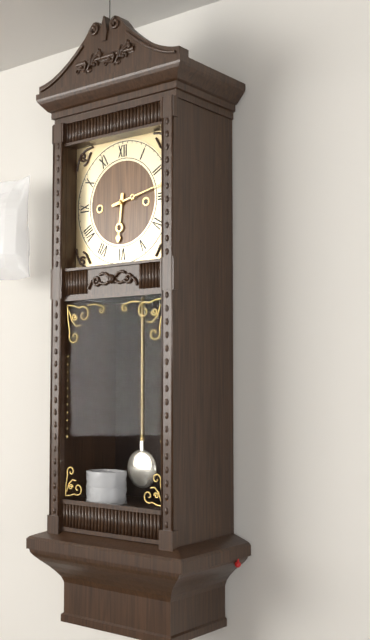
6:13
